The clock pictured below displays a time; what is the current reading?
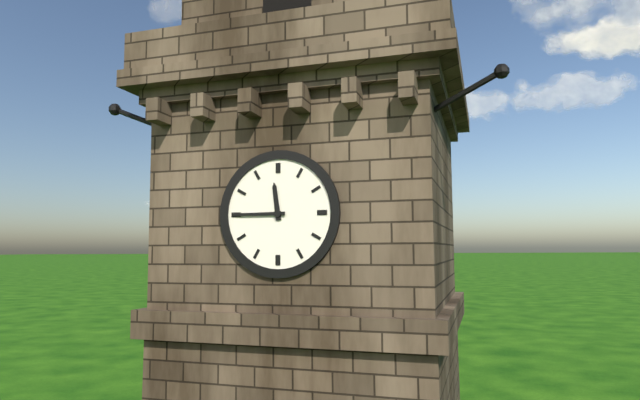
11:45
